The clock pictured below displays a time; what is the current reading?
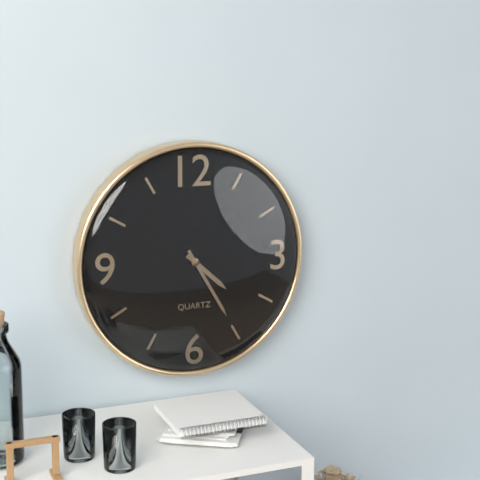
4:25
